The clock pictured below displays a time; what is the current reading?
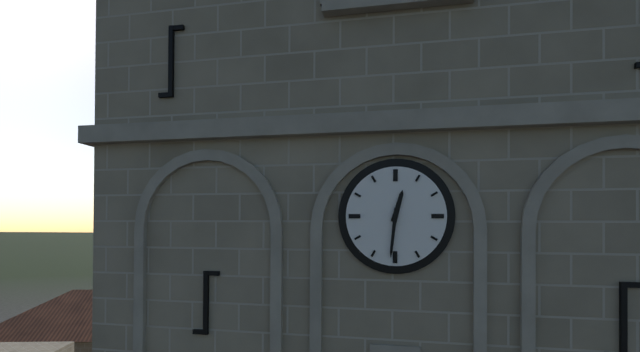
12:31
